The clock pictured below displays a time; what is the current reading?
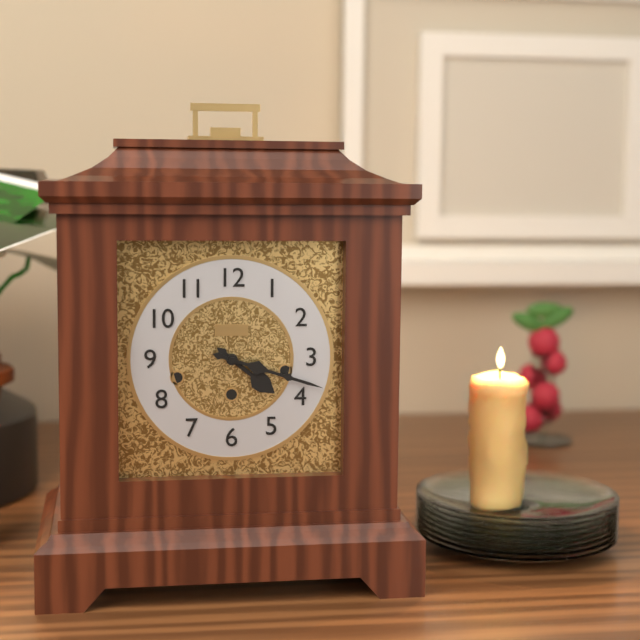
4:18
